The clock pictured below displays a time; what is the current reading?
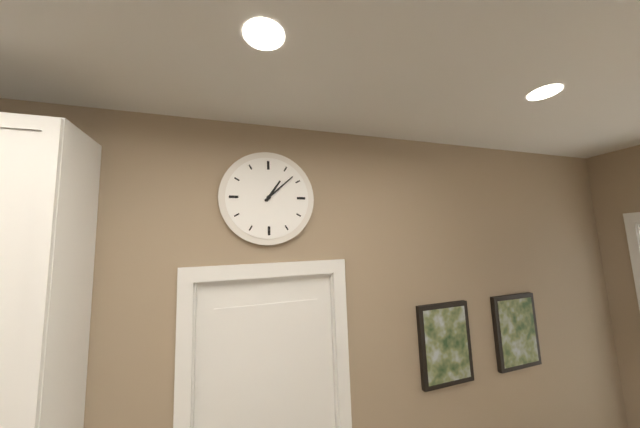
1:08
